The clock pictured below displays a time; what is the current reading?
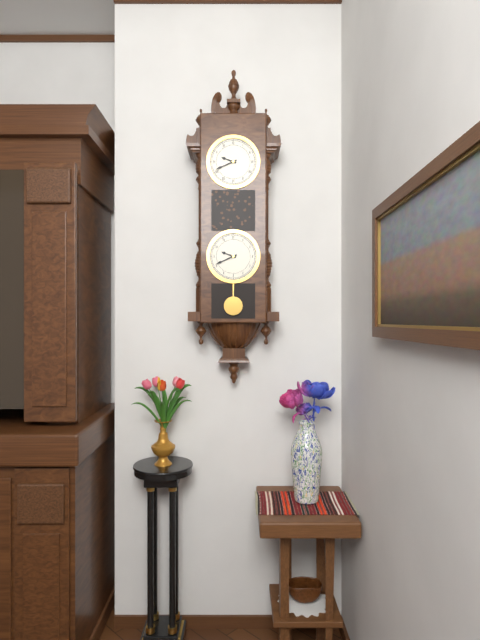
9:41
